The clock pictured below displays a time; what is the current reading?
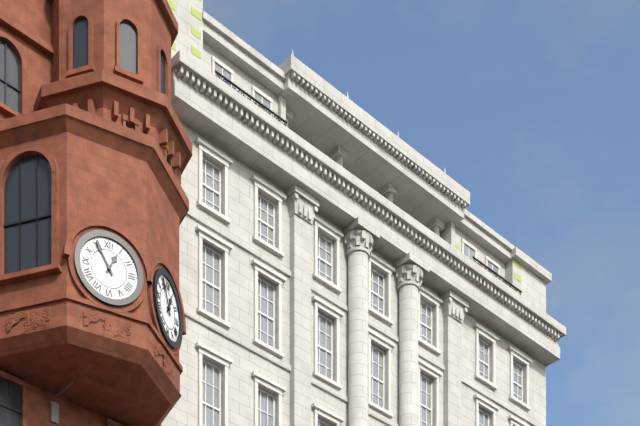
12:55
